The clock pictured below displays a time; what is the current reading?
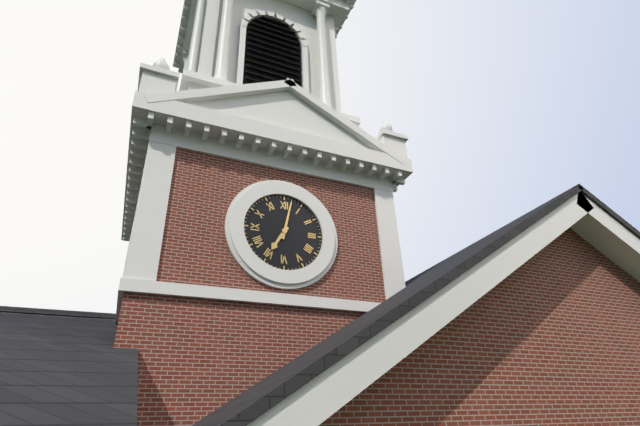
7:02
